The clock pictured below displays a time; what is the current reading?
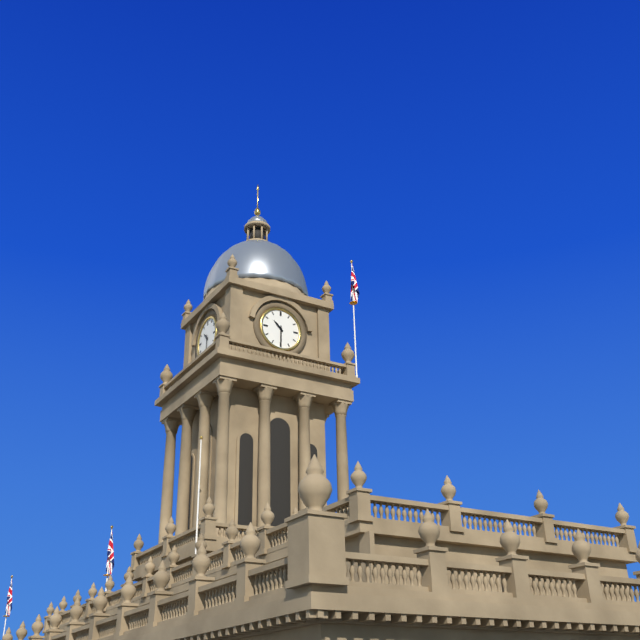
10:30
